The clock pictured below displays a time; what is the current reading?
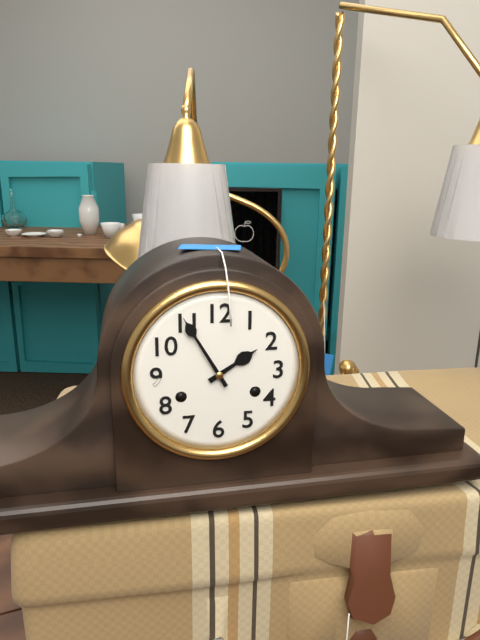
1:55
